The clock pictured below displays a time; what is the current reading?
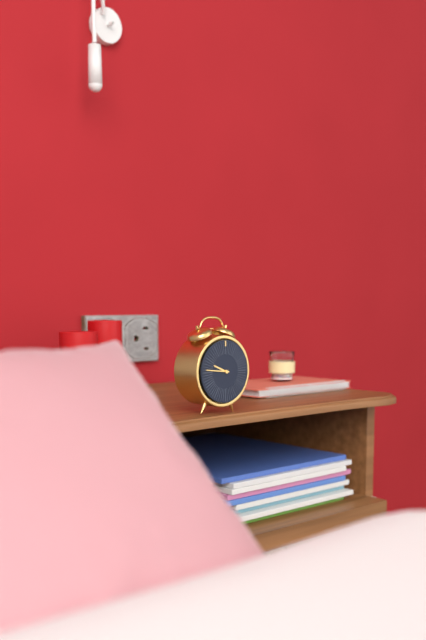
9:46
